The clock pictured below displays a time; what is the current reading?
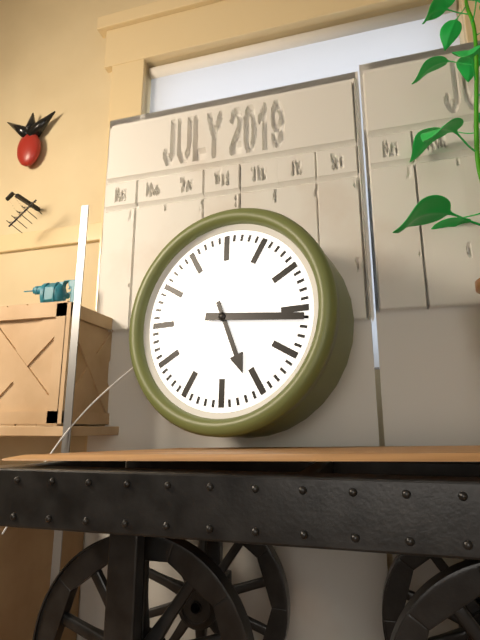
5:16
